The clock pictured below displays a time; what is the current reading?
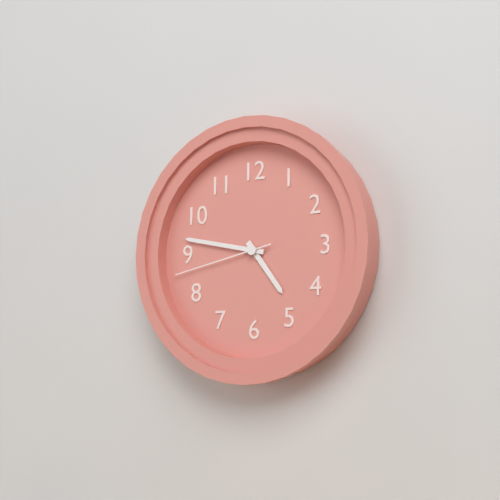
4:47:43
